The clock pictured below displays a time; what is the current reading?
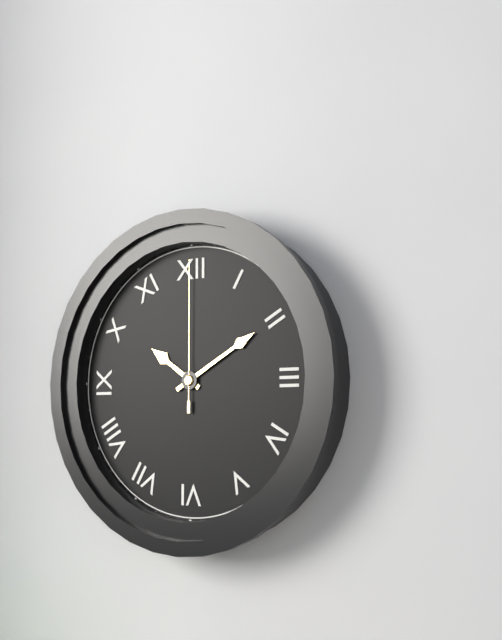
10:10:00
